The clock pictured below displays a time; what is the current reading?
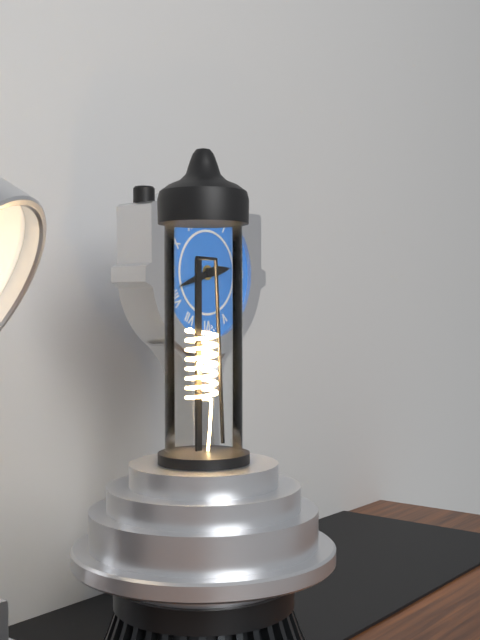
2:42
